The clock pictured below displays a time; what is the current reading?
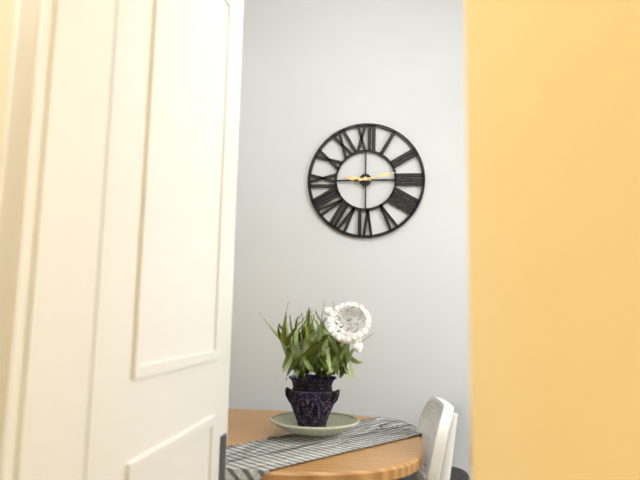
9:13
